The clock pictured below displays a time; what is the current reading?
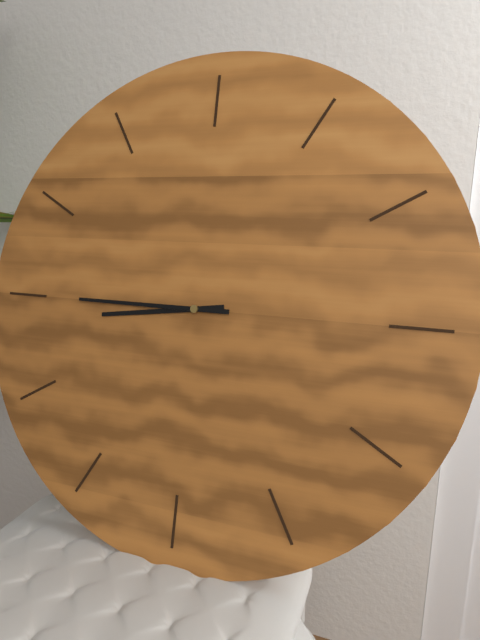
8:45
